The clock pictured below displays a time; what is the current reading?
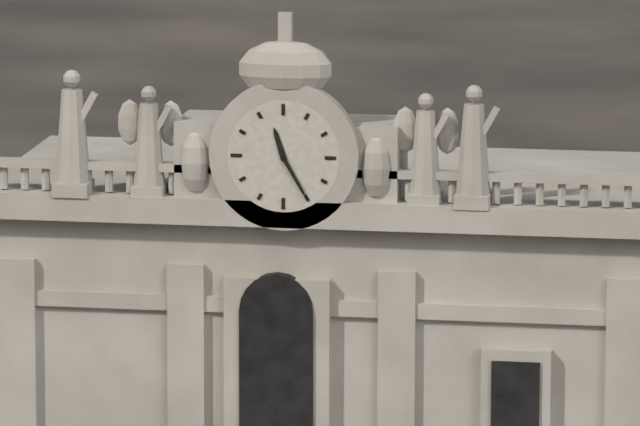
11:25
